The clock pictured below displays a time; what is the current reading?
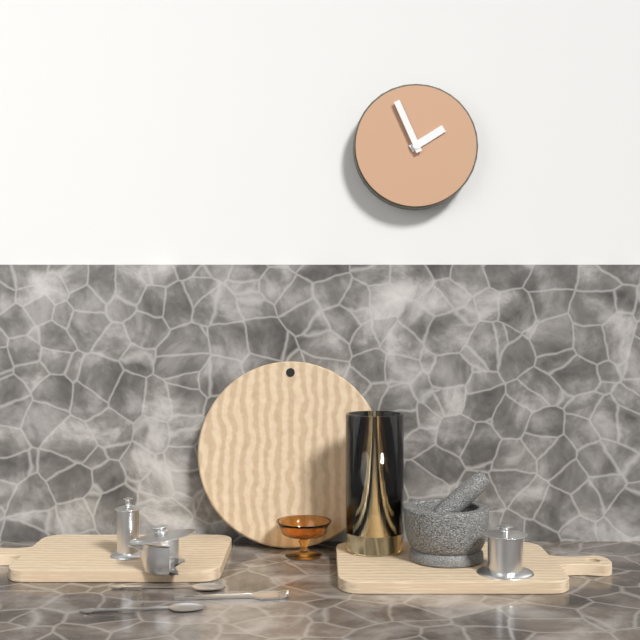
1:56
